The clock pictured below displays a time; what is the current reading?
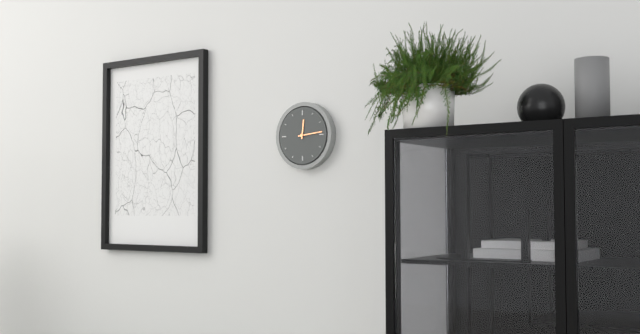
12:14
